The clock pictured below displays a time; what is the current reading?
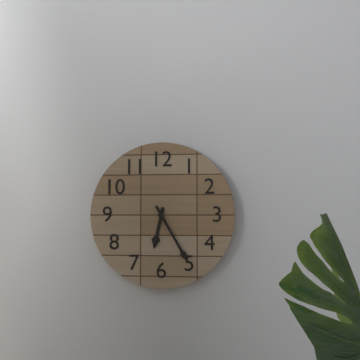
6:25
